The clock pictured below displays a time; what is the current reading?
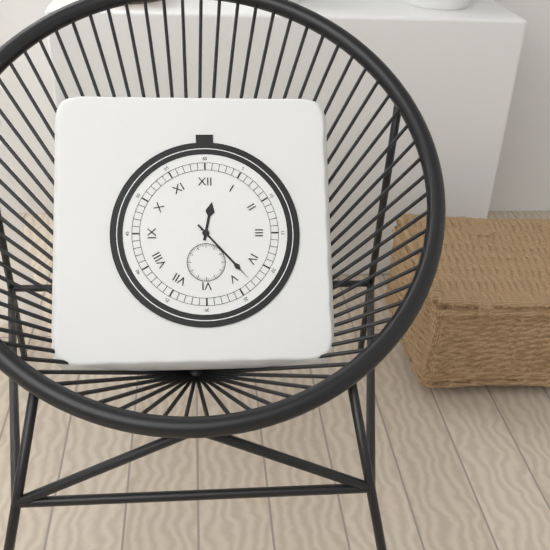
12:23
